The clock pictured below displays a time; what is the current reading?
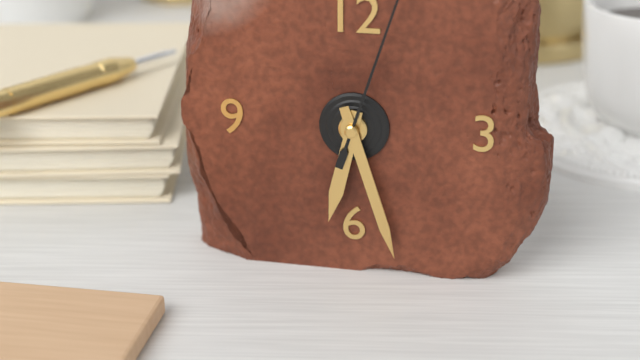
6:27
